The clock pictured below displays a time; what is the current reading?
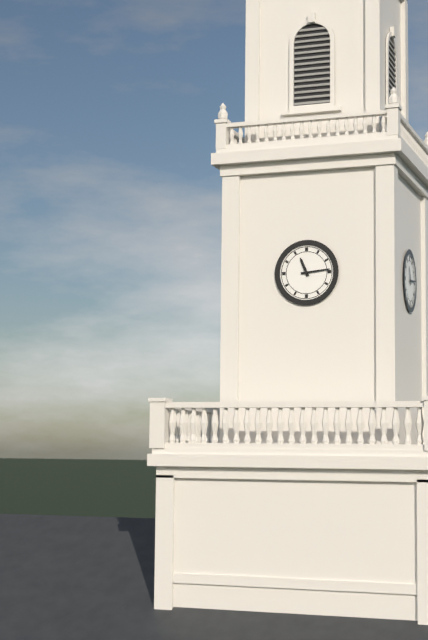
11:14
